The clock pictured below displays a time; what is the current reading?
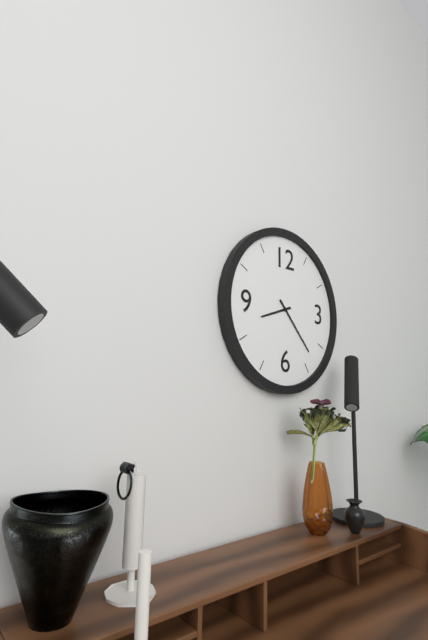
8:23
